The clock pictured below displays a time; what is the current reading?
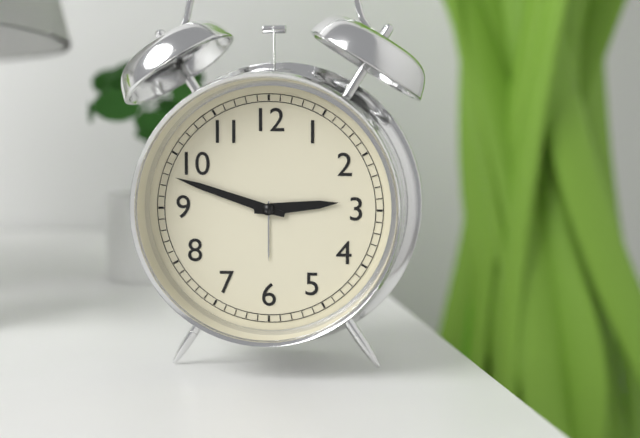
2:48
